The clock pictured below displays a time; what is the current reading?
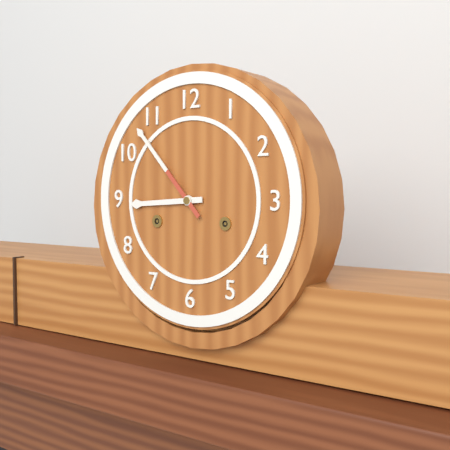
8:53
